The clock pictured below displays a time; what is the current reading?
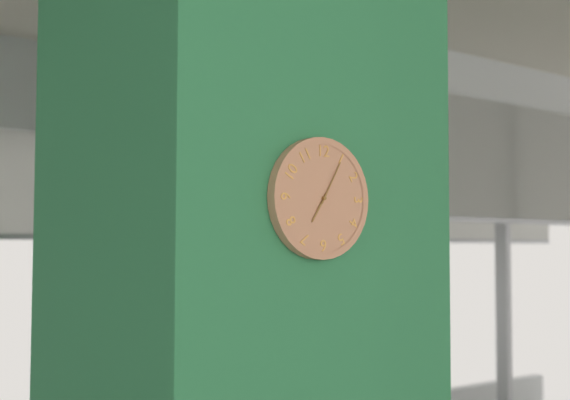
7:05
